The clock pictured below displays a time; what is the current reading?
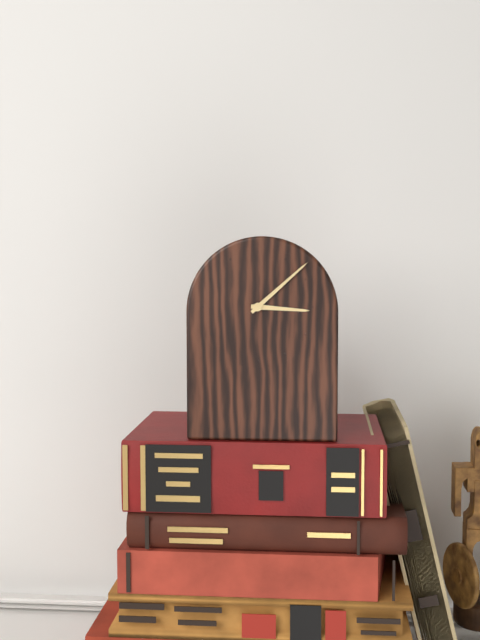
3:08
